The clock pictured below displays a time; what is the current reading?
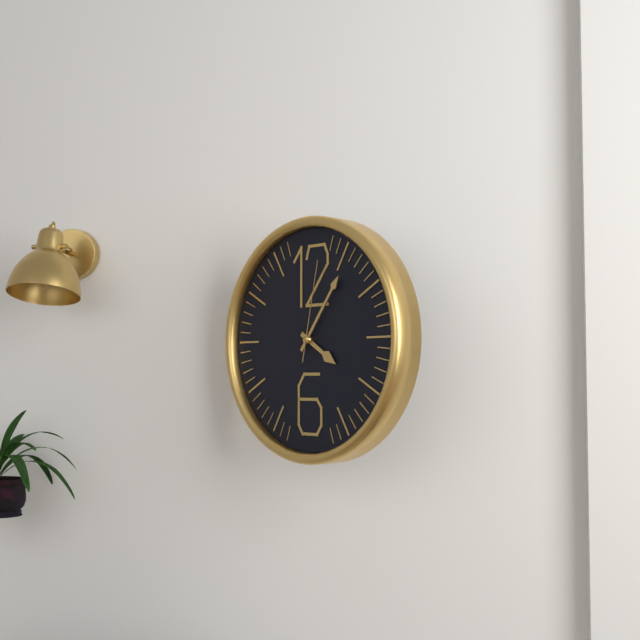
4:06:02
